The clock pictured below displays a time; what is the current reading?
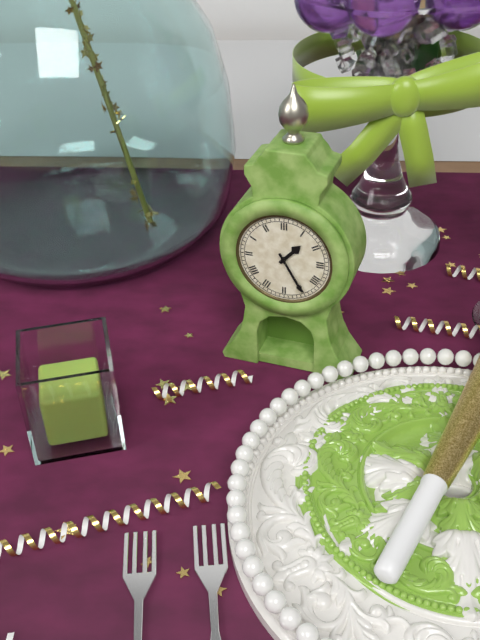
1:25
